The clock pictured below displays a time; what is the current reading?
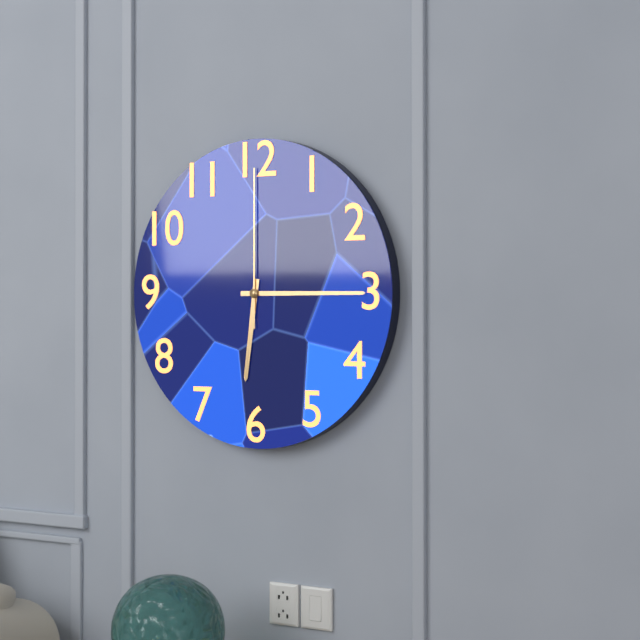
6:15:00
